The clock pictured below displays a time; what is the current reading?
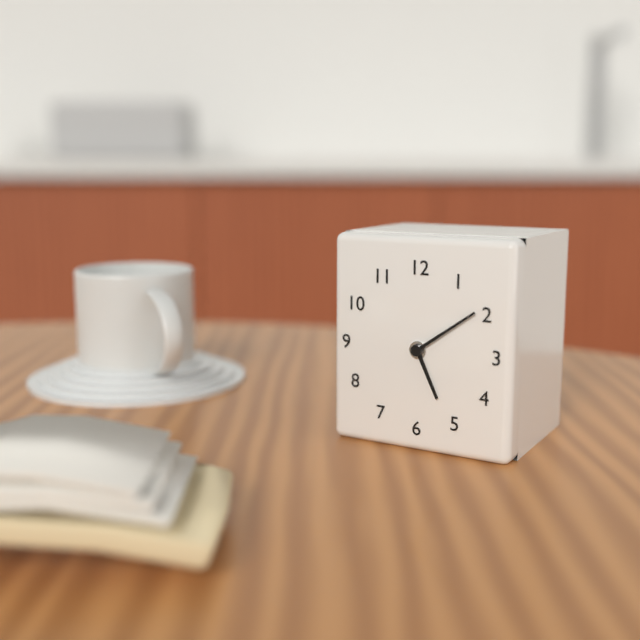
5:09
